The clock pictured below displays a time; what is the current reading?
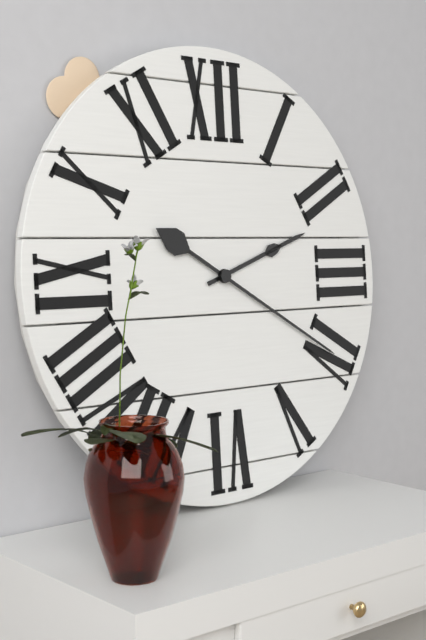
2:20
